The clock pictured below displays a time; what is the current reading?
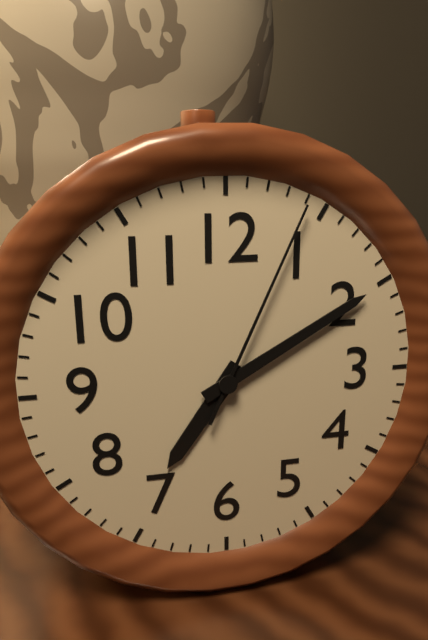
7:10:04
